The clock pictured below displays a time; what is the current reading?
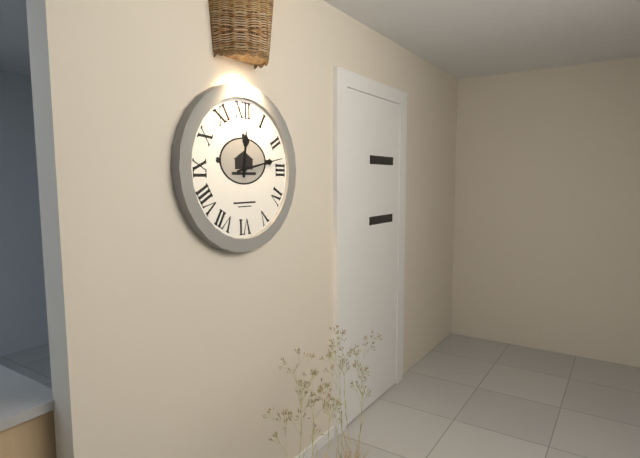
12:13
